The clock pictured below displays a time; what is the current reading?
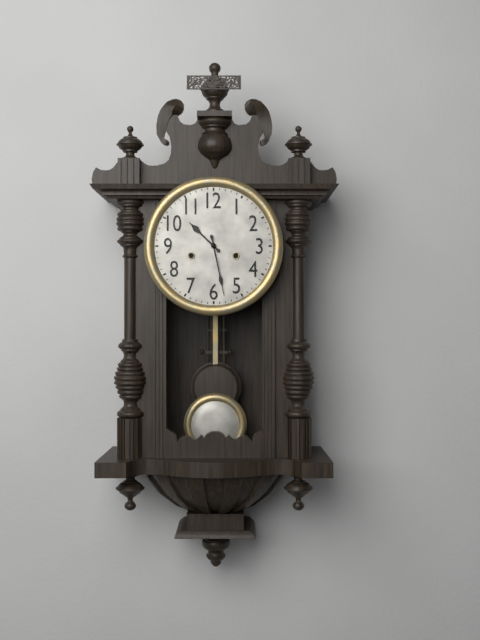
10:28
